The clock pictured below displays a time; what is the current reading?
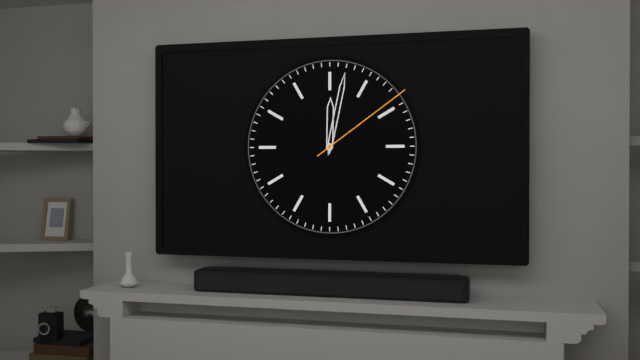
12:02:09
